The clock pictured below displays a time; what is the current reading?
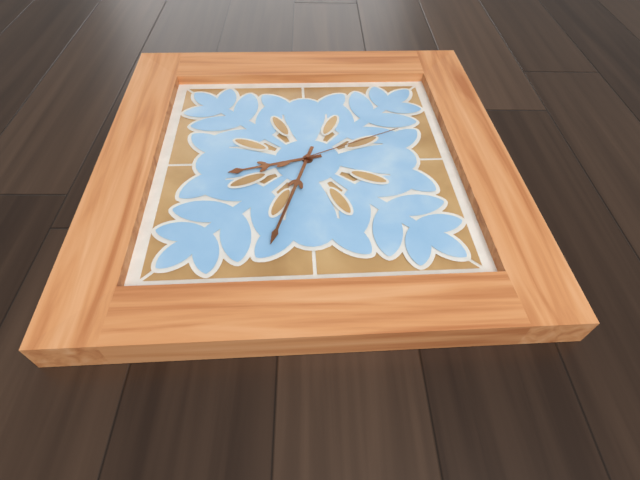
8:33:11
